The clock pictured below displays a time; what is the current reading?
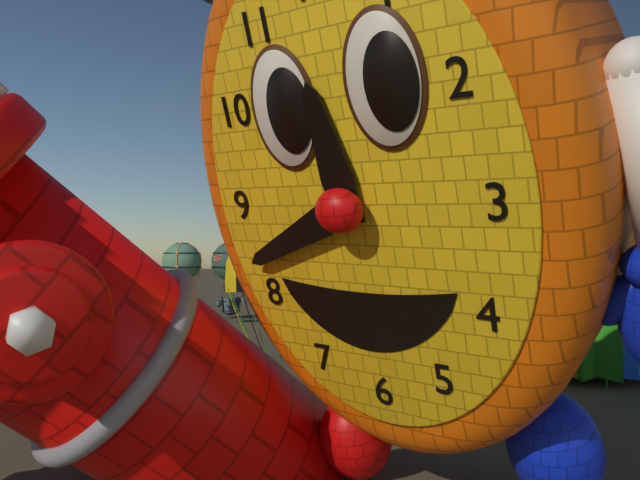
11:41
